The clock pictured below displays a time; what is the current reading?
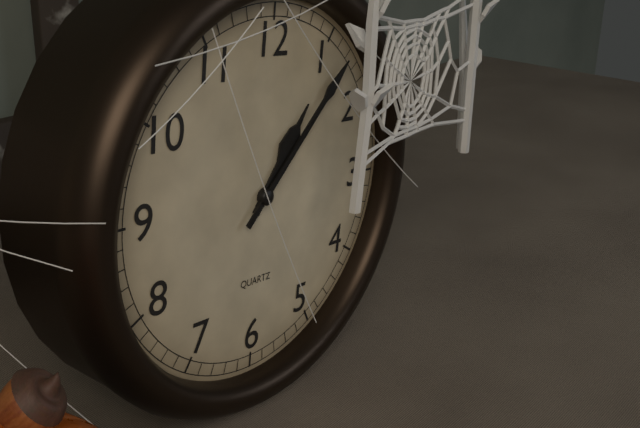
1:07
